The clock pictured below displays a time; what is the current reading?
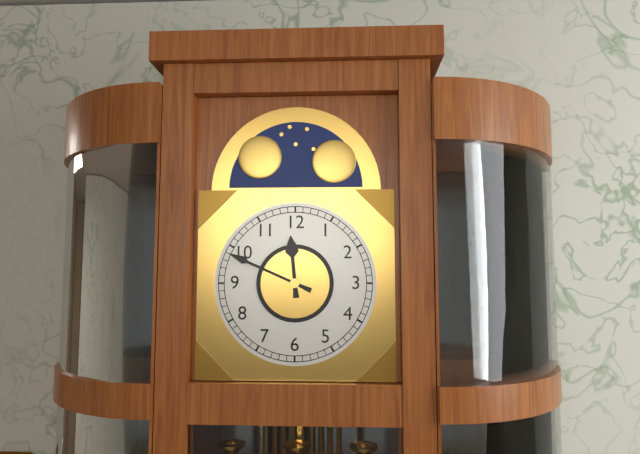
11:49
